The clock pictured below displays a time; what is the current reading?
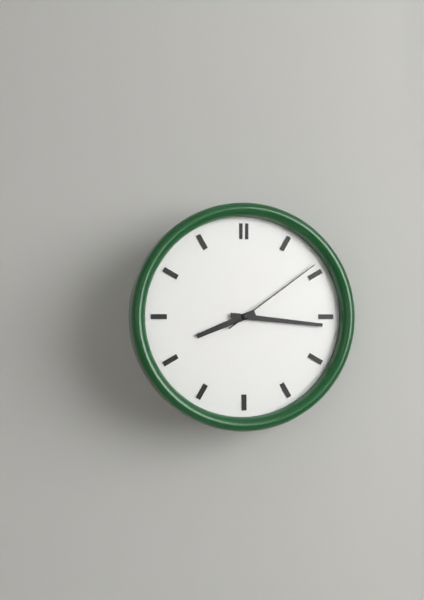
8:16:09
